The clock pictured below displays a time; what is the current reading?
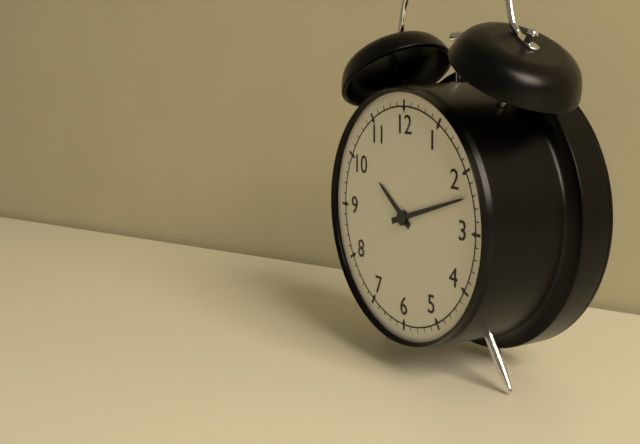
10:12
